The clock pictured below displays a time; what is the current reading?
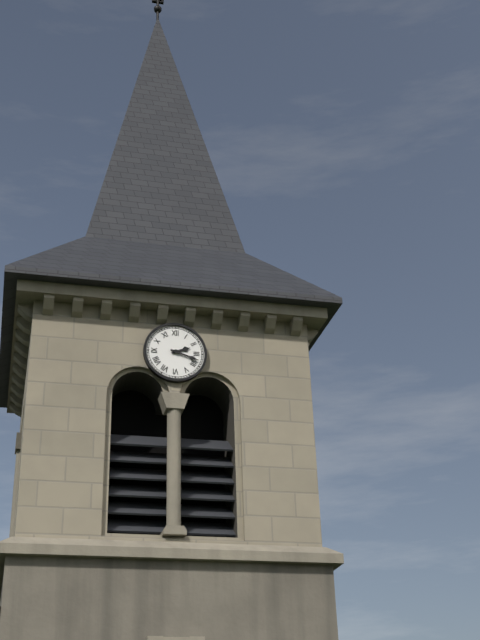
2:18
